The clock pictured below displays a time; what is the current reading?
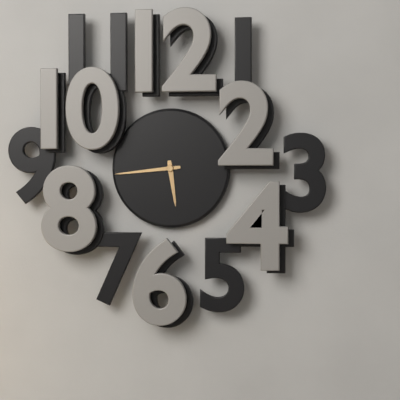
5:44
